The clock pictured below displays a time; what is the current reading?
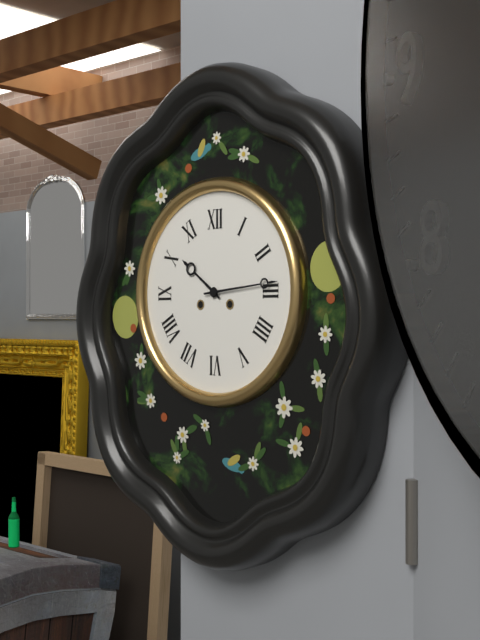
10:14
